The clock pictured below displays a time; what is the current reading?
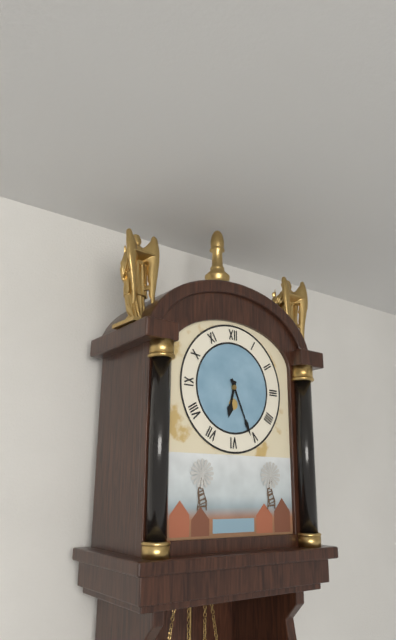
6:26
